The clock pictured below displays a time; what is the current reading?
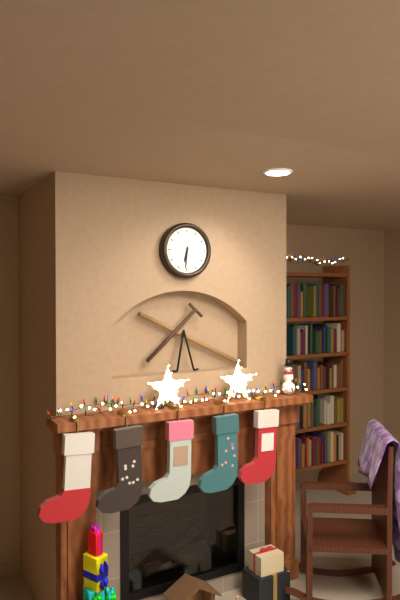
6:31
